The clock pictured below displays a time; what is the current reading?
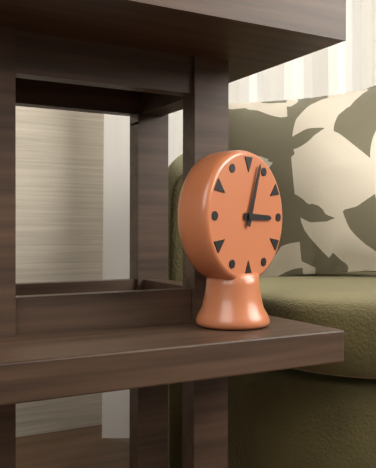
3:03
